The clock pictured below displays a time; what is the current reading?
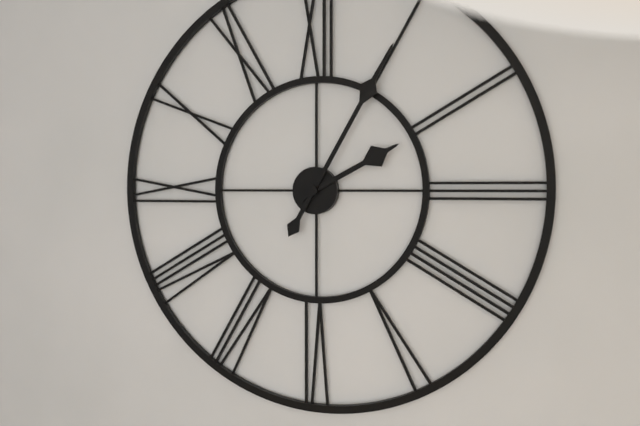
2:05
